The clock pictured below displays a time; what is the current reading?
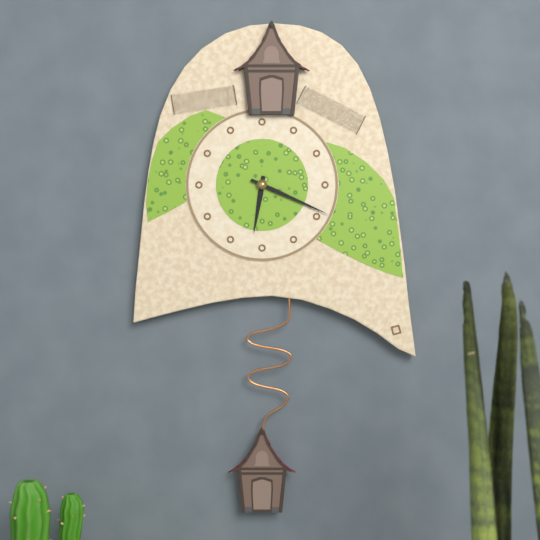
6:19
